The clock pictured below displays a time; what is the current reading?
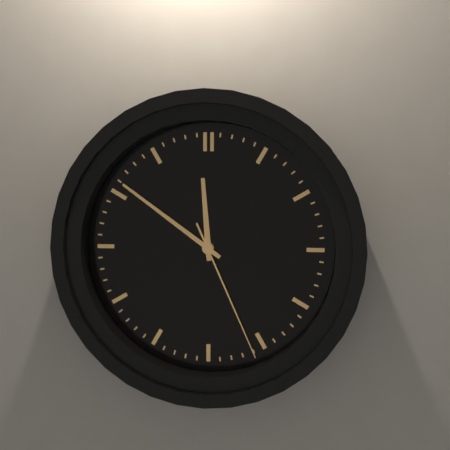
11:51:26
